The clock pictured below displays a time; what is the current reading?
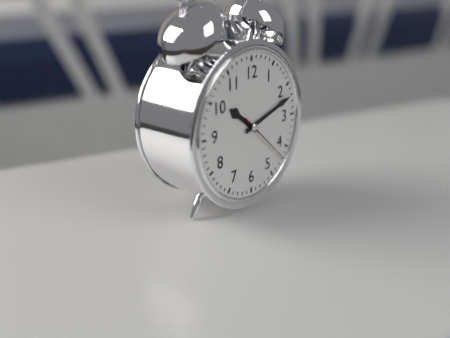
10:12:22
